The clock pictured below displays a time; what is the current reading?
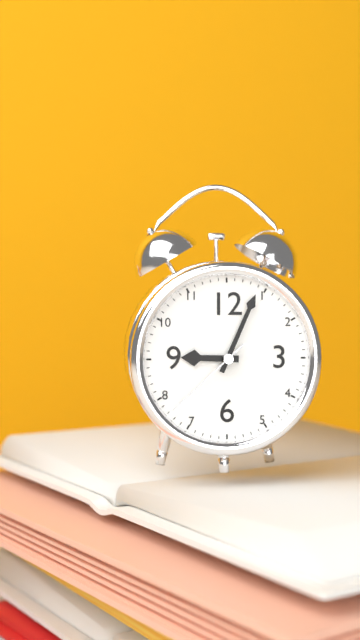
9:04:38
